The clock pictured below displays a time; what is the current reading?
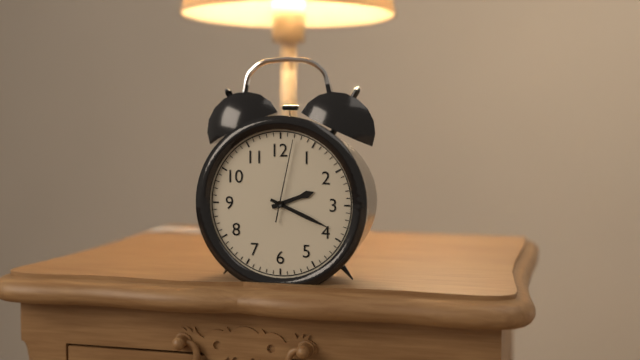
2:19:02
